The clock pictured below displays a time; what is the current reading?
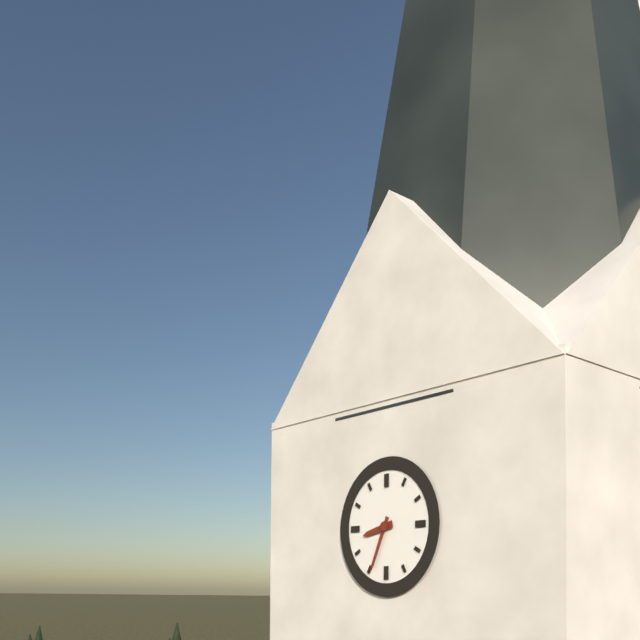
8:34
